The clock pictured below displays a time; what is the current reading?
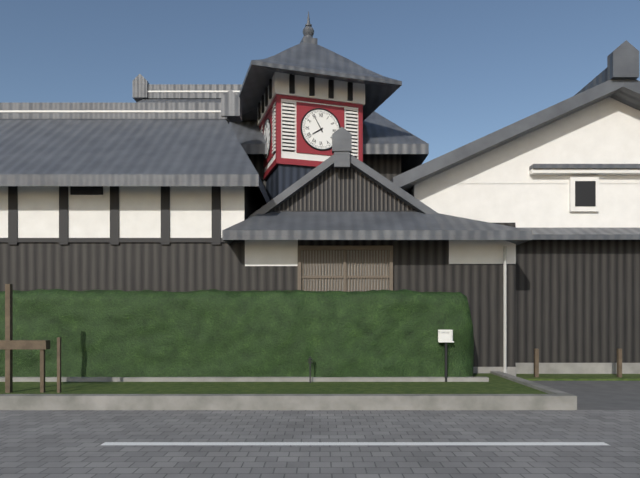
7:55
